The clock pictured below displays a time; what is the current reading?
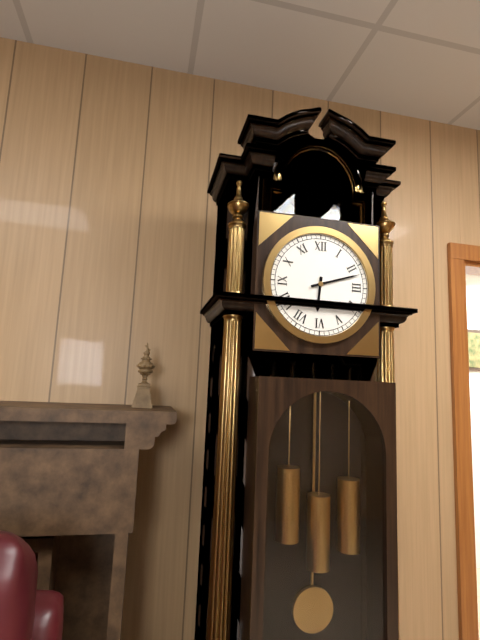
6:12
